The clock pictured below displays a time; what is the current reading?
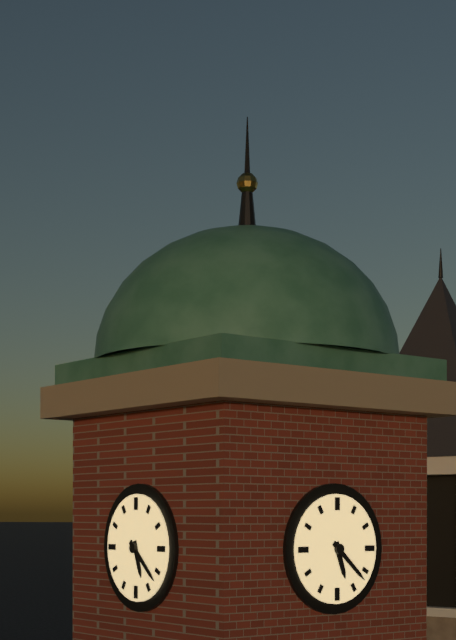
5:22
